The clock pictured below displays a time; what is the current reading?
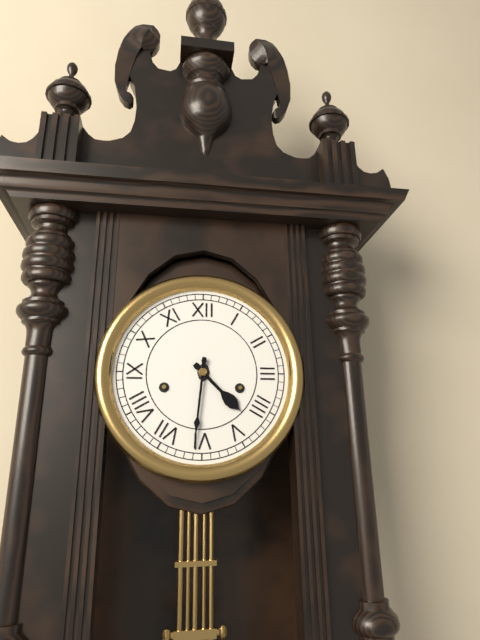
4:31
